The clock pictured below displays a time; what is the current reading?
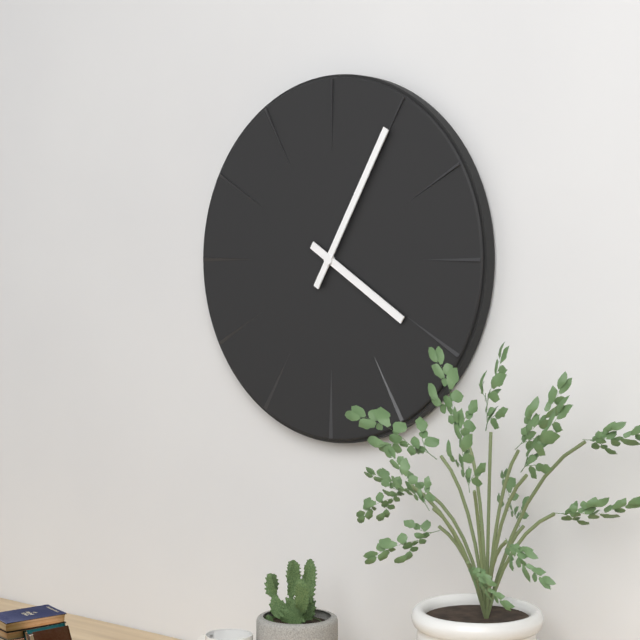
4:05
